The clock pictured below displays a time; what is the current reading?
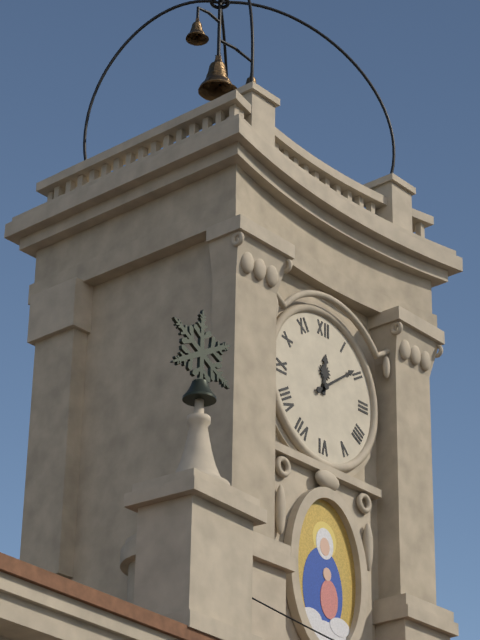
12:09
